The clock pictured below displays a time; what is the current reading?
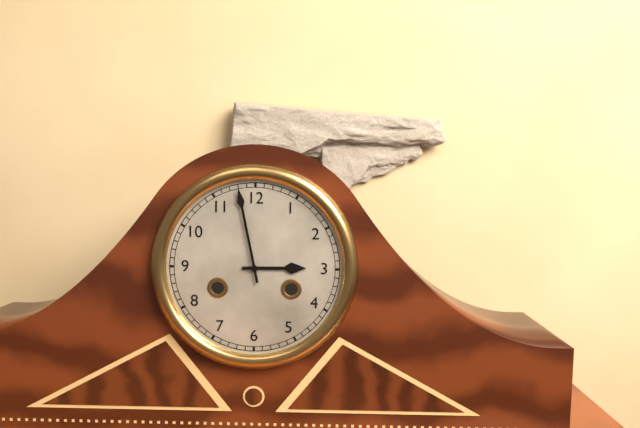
2:58
